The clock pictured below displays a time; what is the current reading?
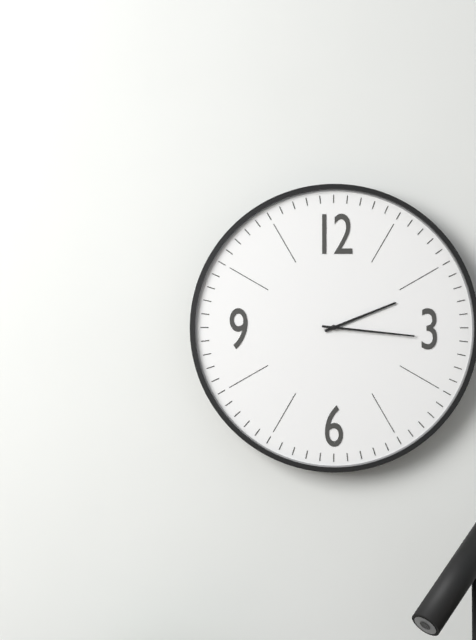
2:16
